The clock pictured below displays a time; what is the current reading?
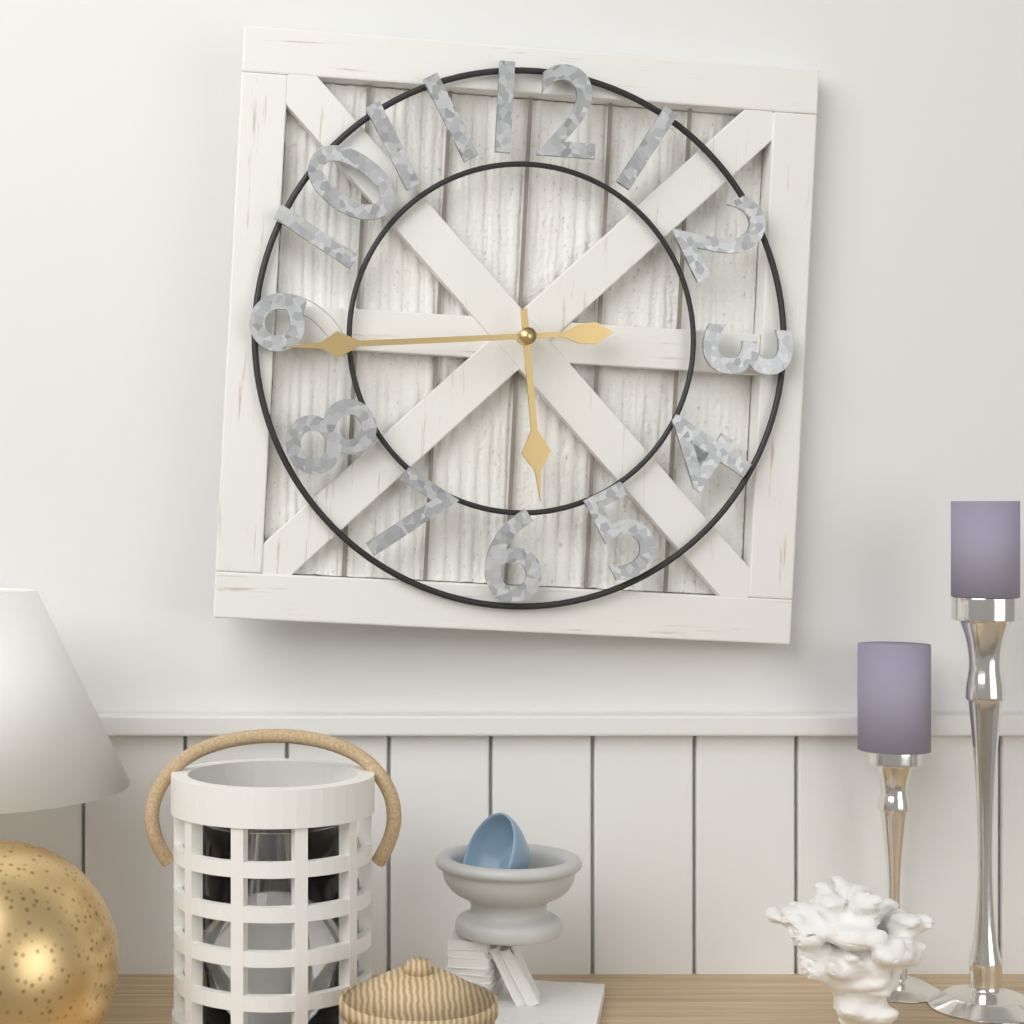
5:44
